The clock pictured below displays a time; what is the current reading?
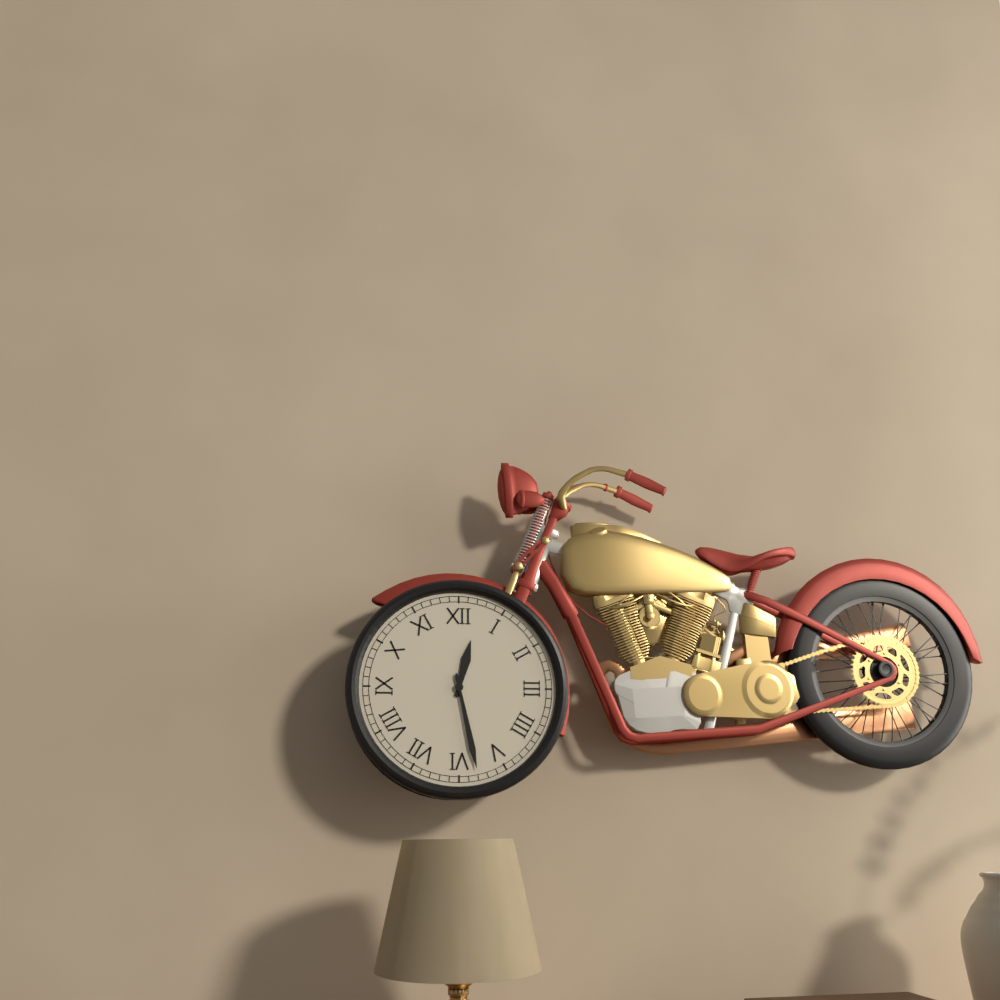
12:28
